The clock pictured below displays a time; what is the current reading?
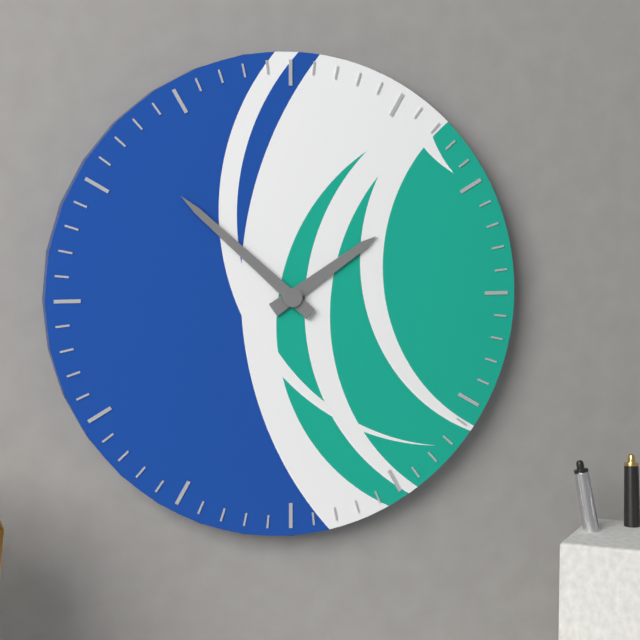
1:52
